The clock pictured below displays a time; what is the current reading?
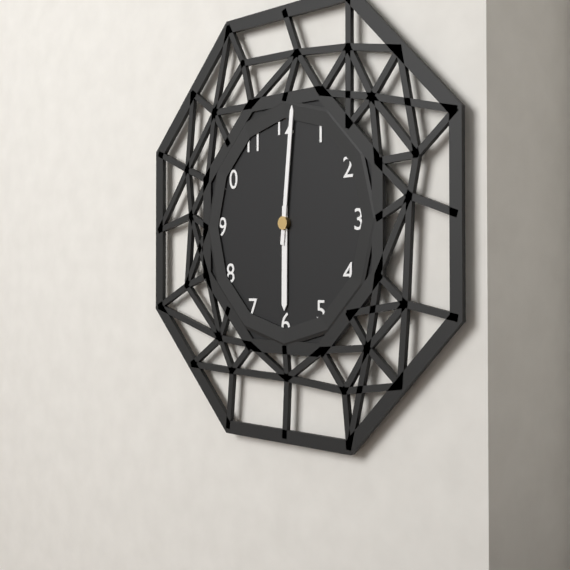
6:01
